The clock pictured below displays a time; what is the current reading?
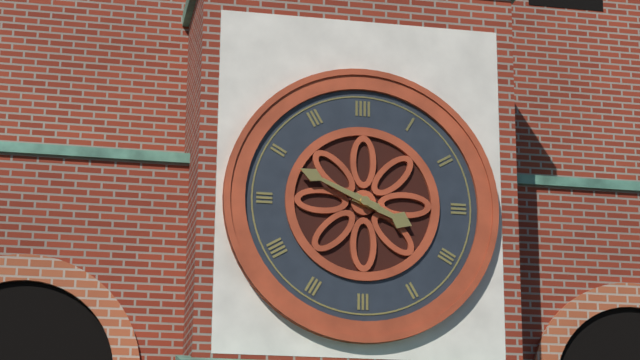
3:49
